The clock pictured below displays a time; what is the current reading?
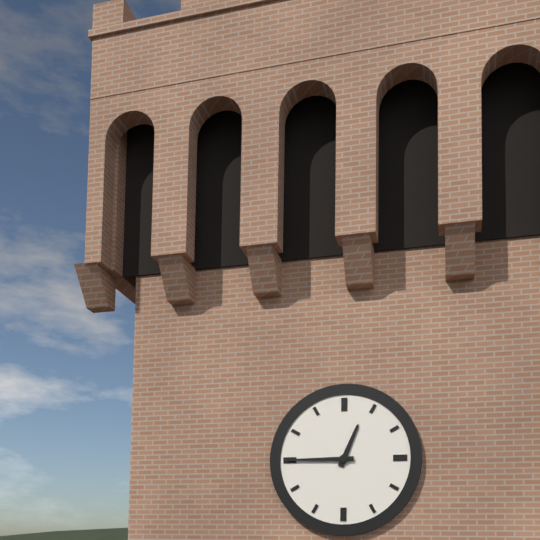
12:45
